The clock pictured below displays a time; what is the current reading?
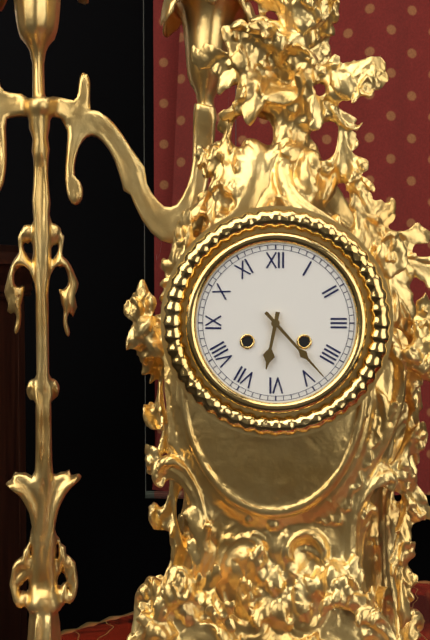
6:23
